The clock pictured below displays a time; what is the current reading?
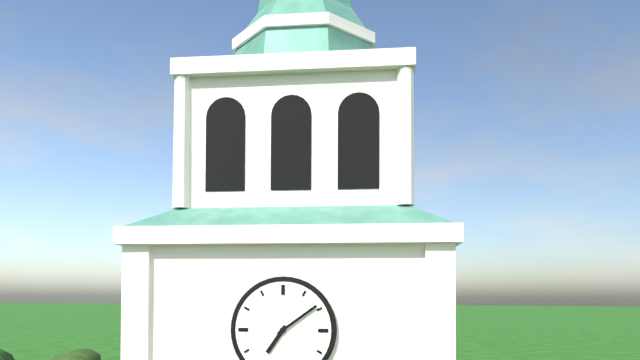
7:09
